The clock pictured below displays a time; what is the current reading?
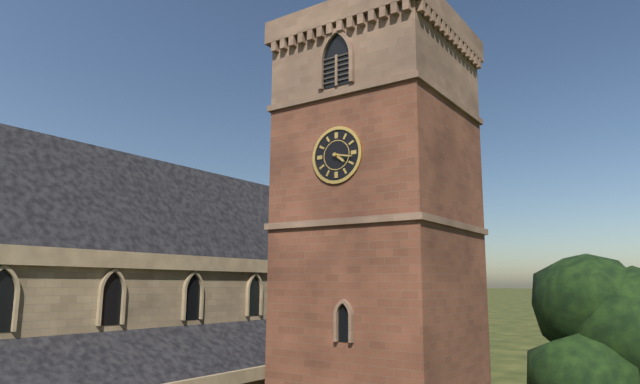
4:17
